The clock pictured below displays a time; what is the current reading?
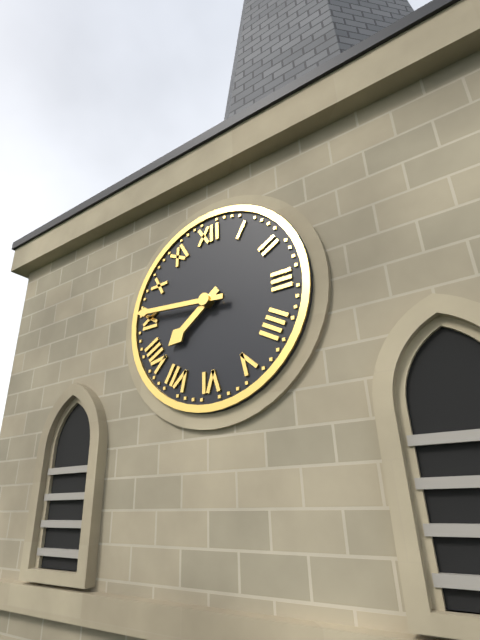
7:46
